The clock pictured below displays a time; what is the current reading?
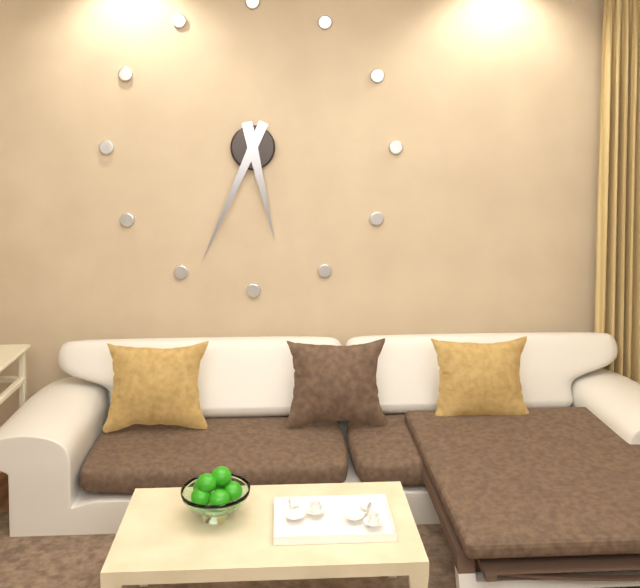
5:34
